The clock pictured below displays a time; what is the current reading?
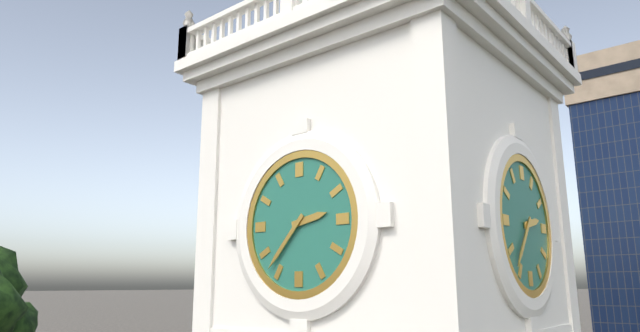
2:37
